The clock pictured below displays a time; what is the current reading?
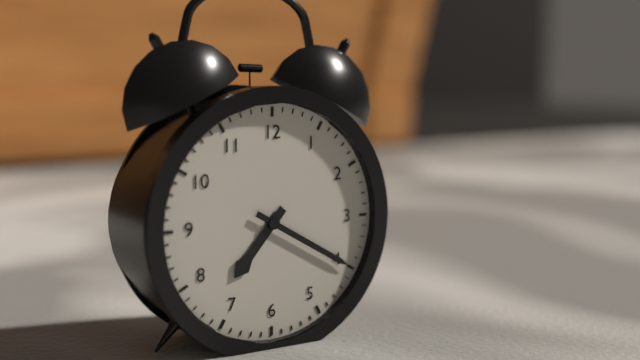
7:20
